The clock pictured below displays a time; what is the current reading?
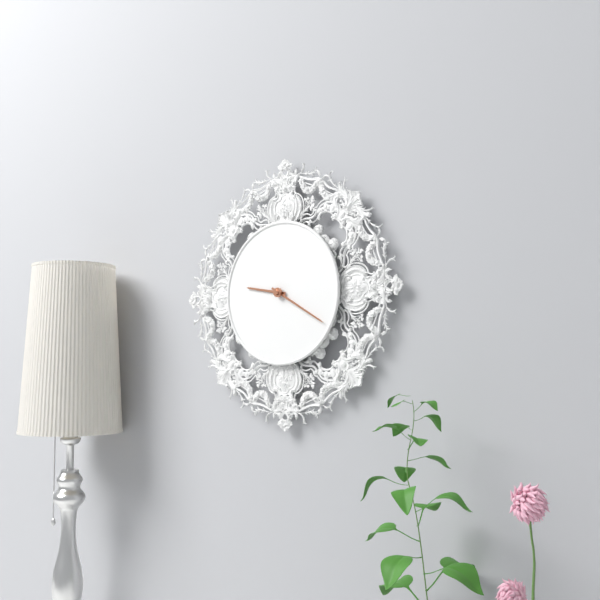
9:20
